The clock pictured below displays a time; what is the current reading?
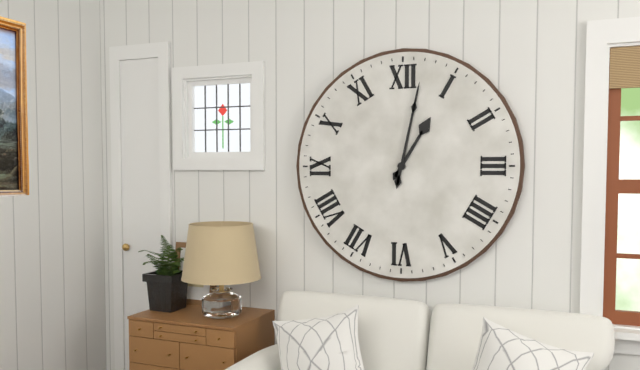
1:02
